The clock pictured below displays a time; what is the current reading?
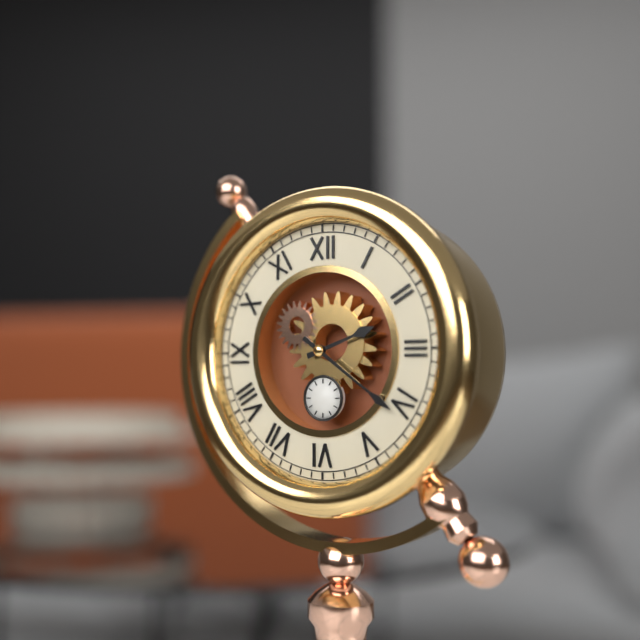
2:21
